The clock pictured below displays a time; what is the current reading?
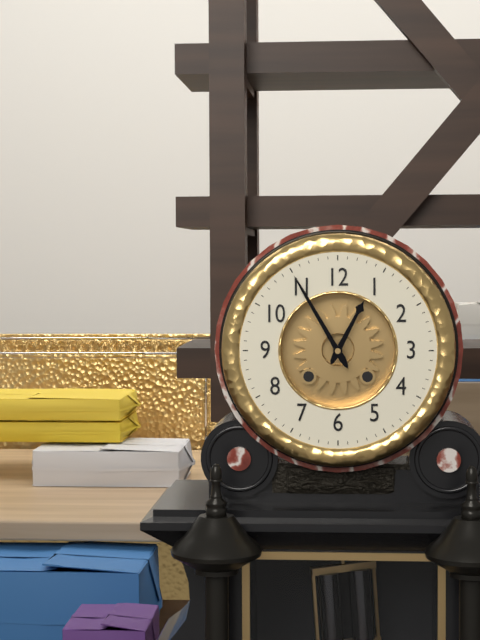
12:55
